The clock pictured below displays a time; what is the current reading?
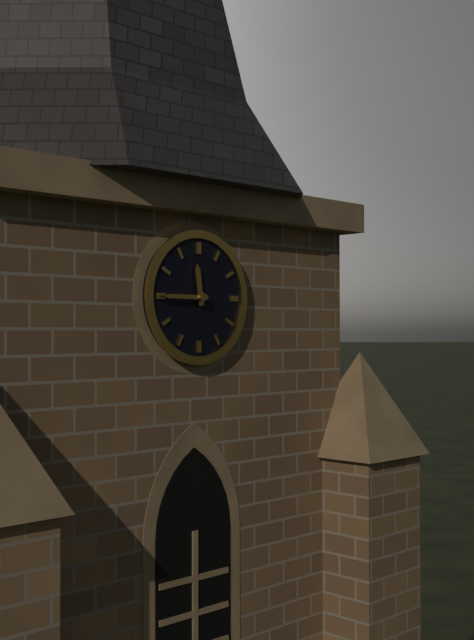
11:45
